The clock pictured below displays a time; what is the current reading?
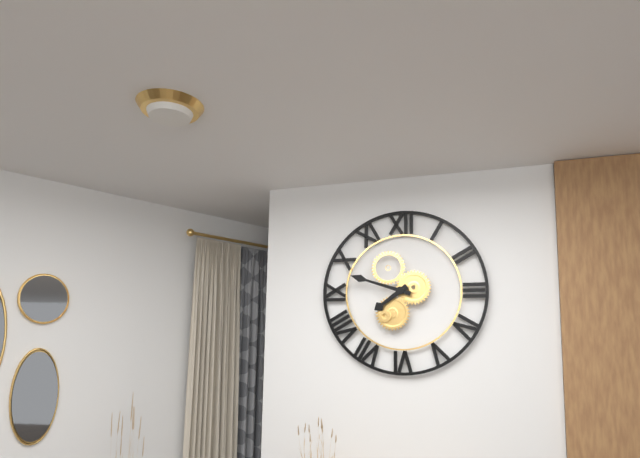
7:48
